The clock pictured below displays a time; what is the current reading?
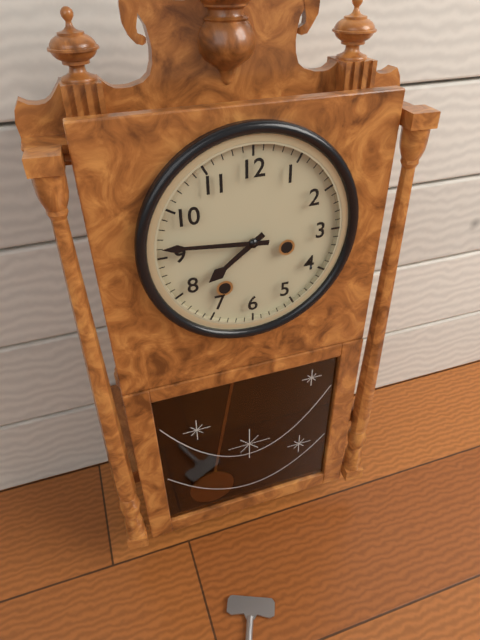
7:46
